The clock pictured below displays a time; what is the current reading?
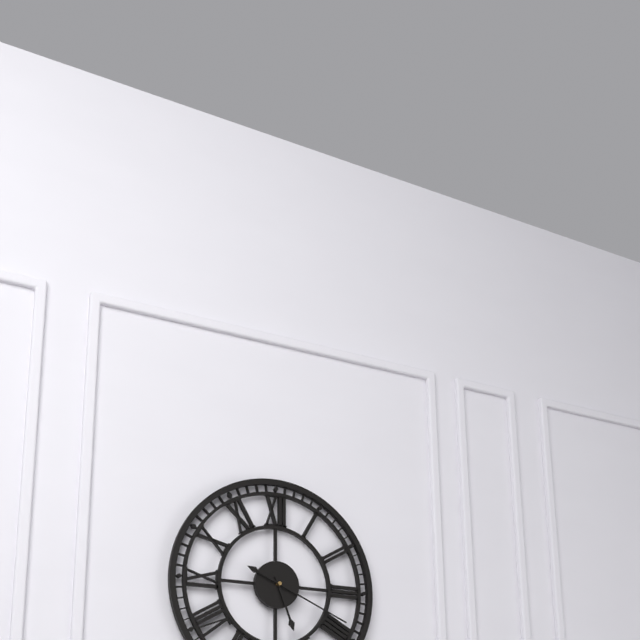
5:19
